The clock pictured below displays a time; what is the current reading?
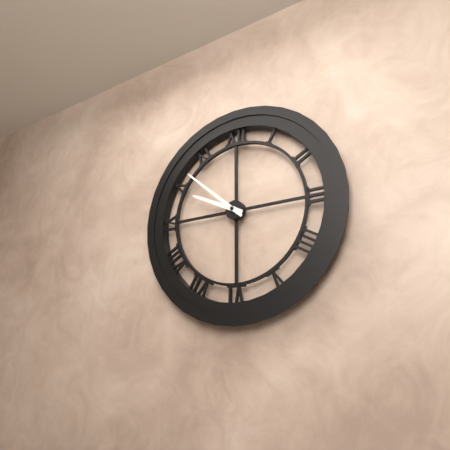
9:52
